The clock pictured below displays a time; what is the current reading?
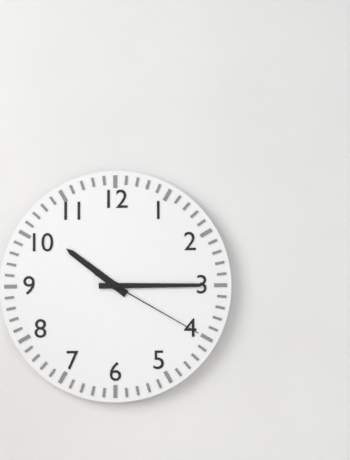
10:15:20
